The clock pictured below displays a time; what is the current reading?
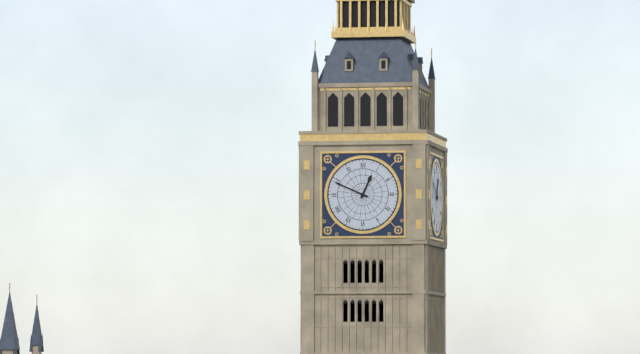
12:49
